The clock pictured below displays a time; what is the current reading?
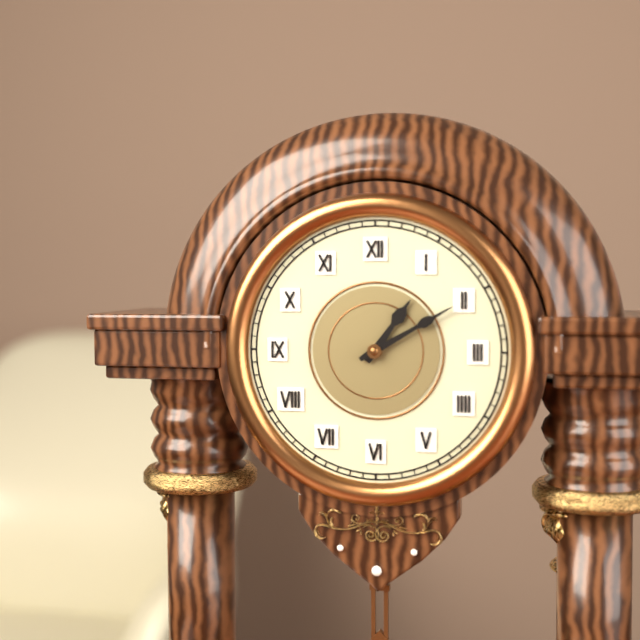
1:10
